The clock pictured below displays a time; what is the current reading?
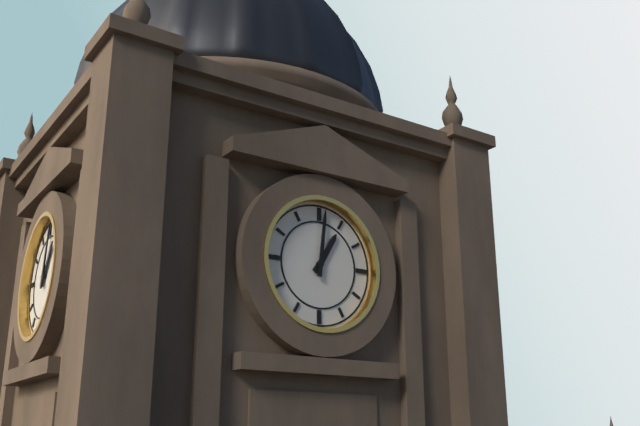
1:01
